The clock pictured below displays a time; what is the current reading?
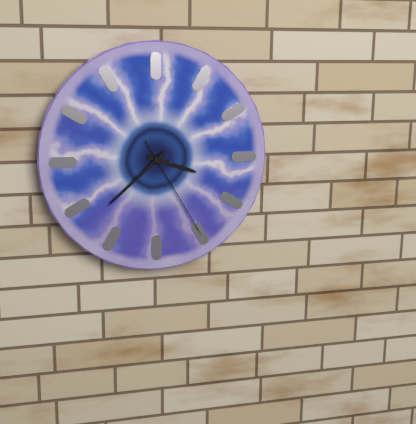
3:38:25
